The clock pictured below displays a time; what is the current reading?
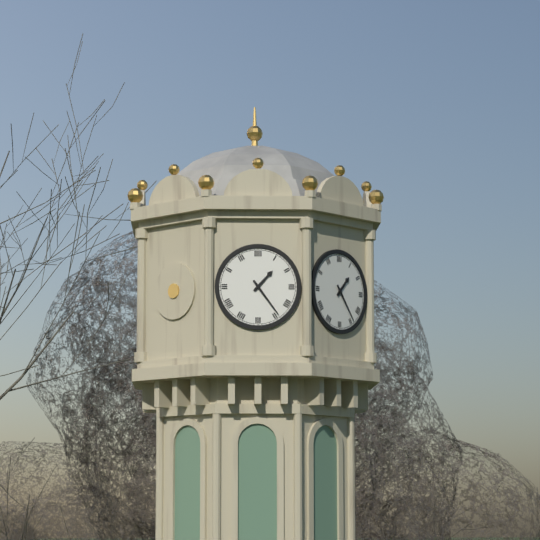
1:24
